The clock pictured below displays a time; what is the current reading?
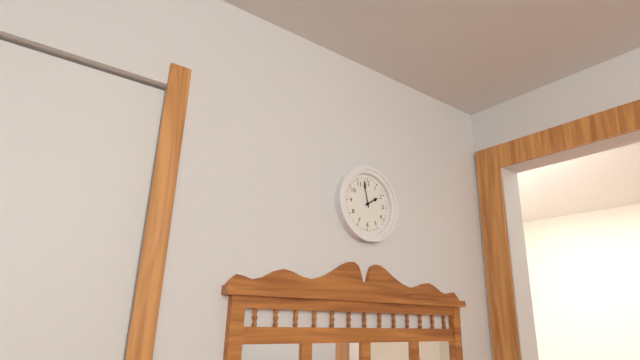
1:58
